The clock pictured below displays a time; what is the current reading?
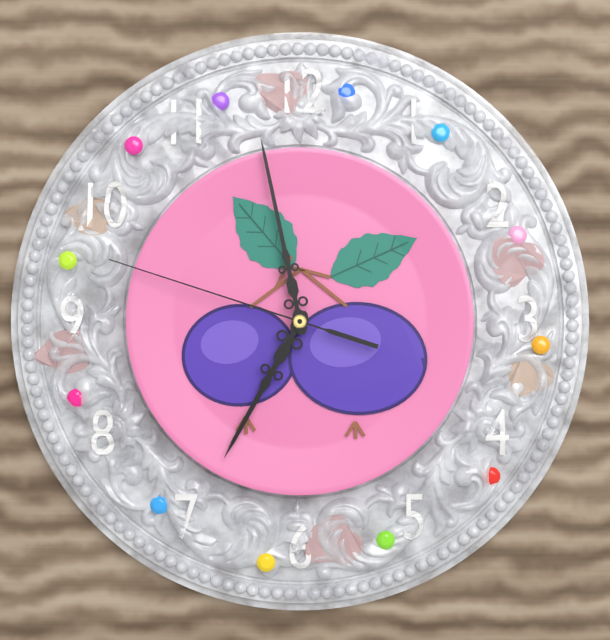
6:58:48
